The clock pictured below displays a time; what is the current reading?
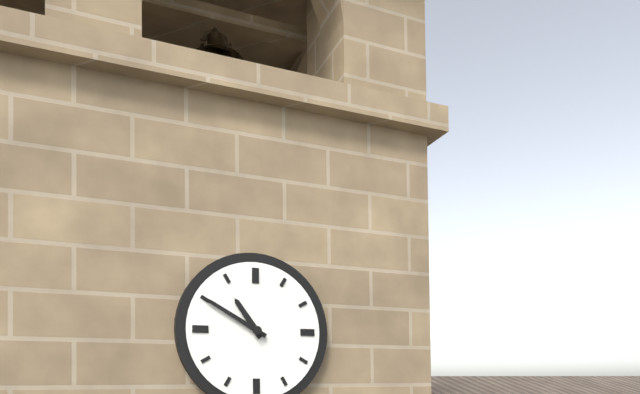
10:50
